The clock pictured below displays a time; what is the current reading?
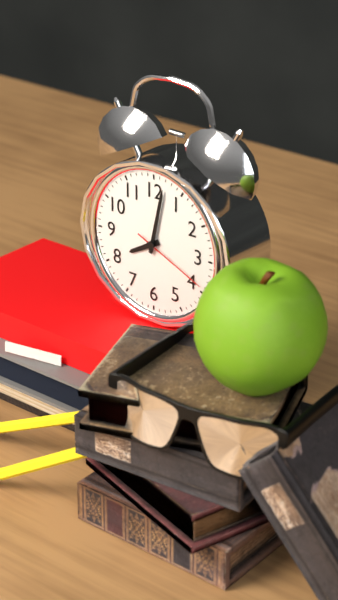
8:02:19
